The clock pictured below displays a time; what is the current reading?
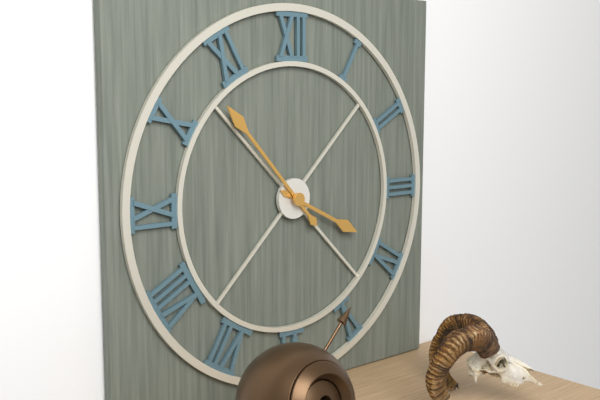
3:53
